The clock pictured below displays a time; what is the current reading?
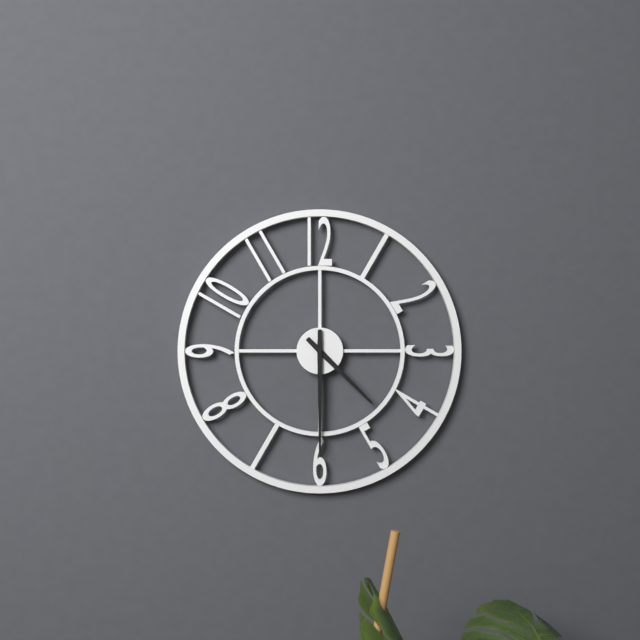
4:30
